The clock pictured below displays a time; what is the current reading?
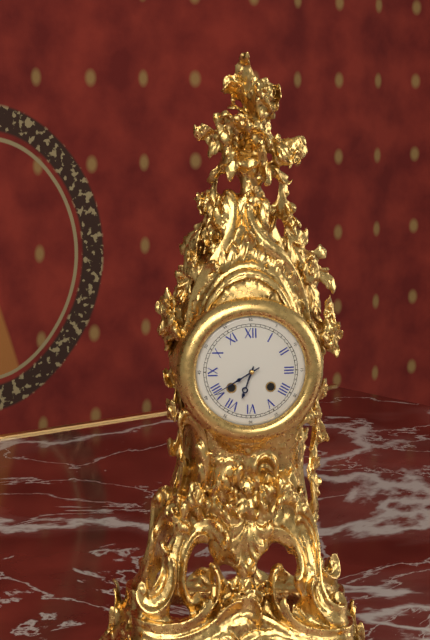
6:40
